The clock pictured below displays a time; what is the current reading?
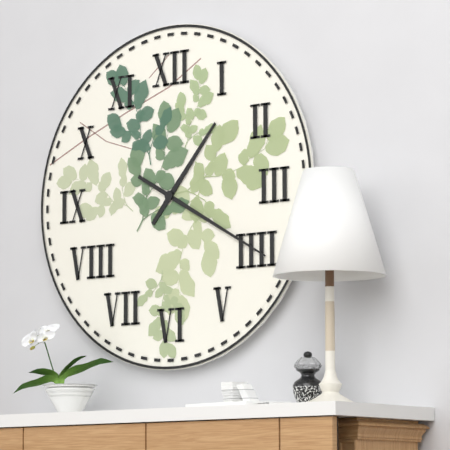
1:20
